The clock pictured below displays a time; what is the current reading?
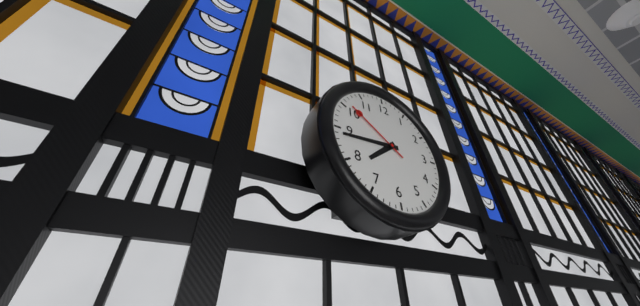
7:44:51
